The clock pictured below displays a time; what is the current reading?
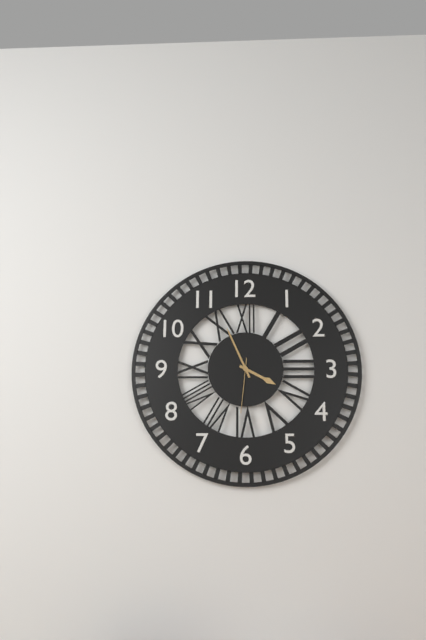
3:56:31
